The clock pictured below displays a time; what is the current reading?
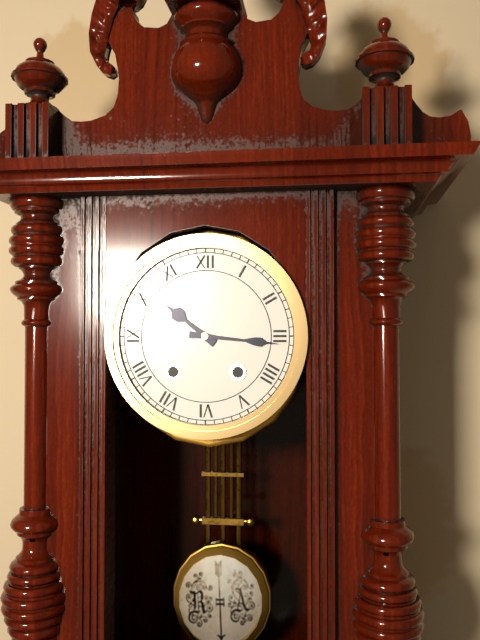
10:16
